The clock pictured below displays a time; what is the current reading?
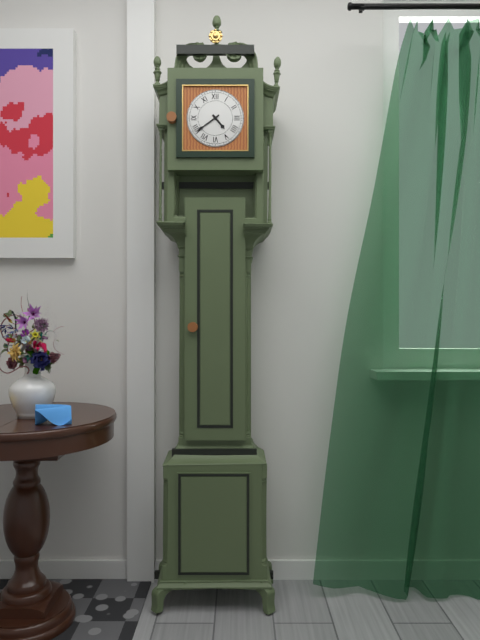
4:39
